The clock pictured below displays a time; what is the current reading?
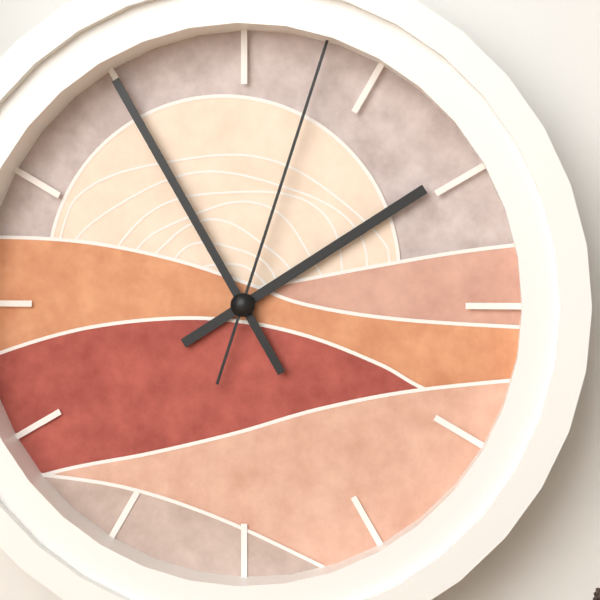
1:55:03
